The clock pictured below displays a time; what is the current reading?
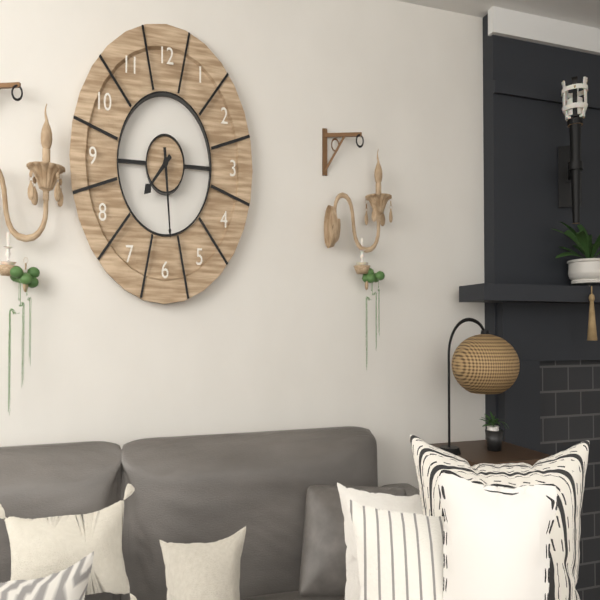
7:29
